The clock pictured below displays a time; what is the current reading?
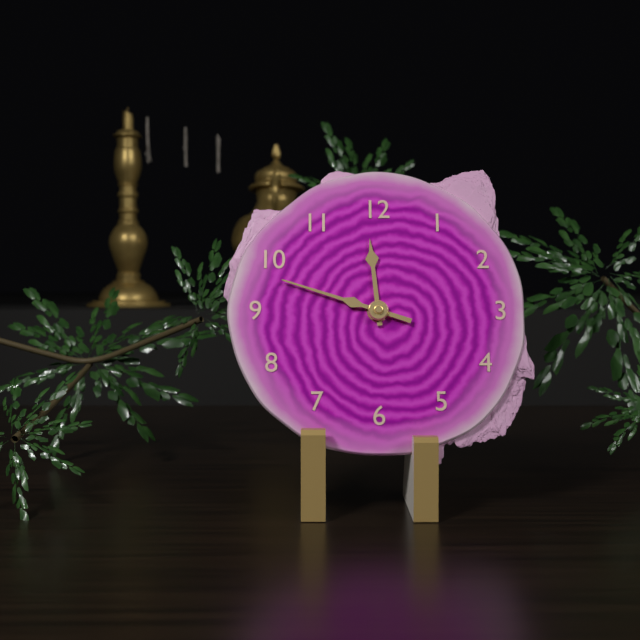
11:48
